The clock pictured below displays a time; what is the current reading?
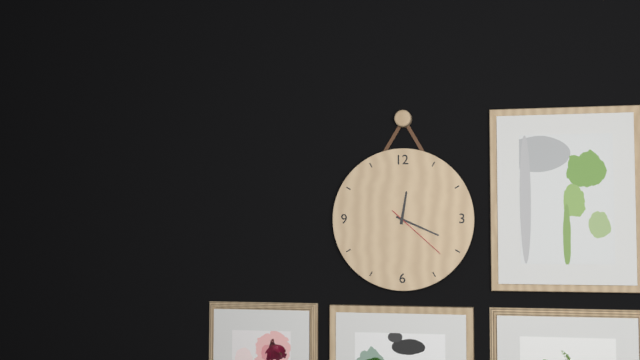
12:19:22
